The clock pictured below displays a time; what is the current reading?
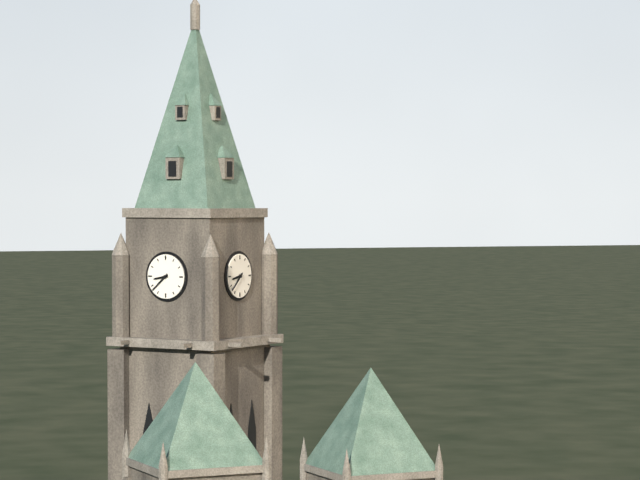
8:38
